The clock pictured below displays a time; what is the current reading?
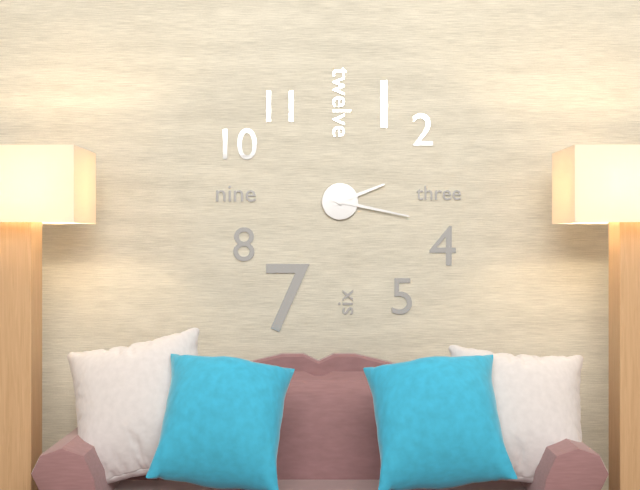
2:17
